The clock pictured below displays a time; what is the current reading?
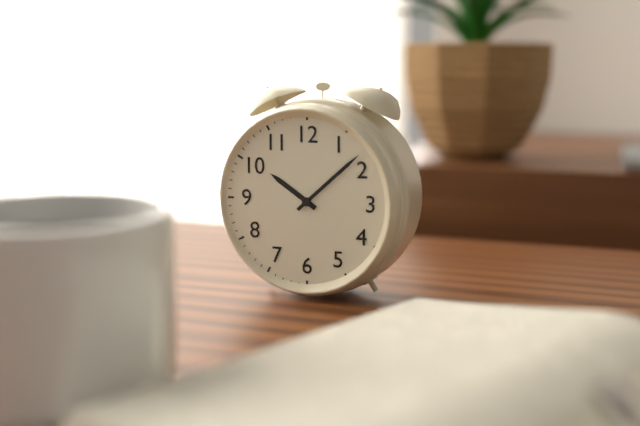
10:08
